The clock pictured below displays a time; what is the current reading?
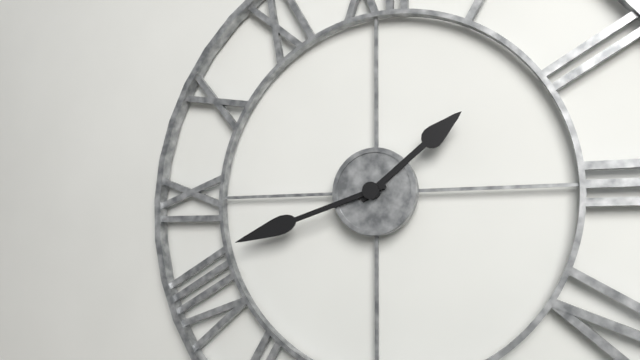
1:42
